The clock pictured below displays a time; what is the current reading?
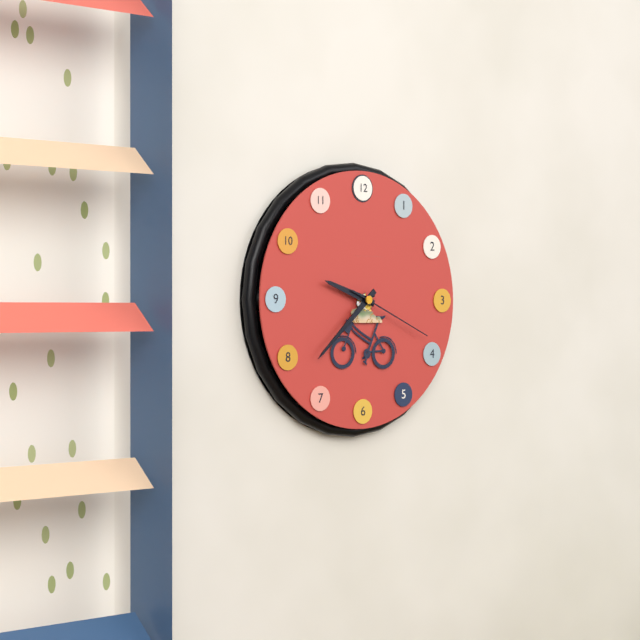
9:38:19
